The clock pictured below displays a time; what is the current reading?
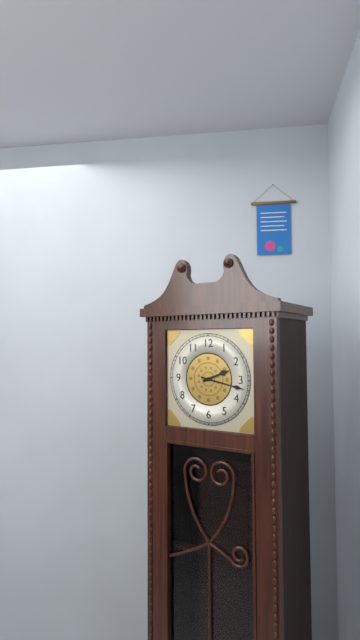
2:17
